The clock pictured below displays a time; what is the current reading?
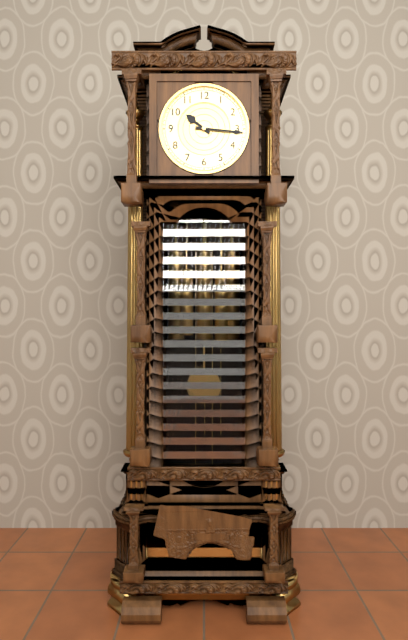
10:16
